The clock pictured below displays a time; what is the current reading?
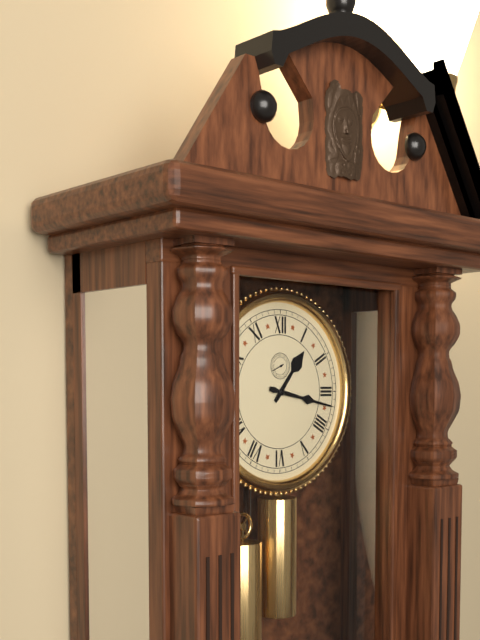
1:17
